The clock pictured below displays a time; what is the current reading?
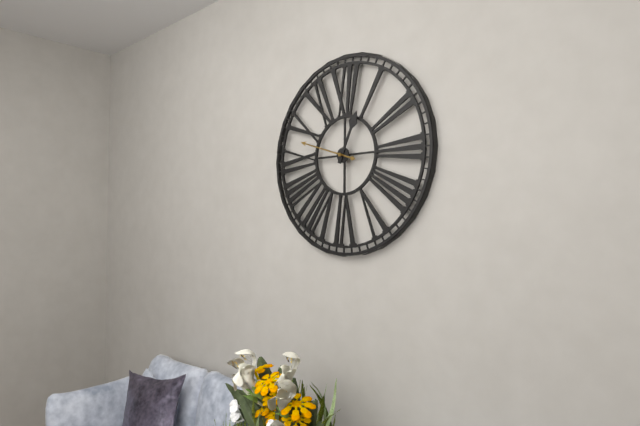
12:48
